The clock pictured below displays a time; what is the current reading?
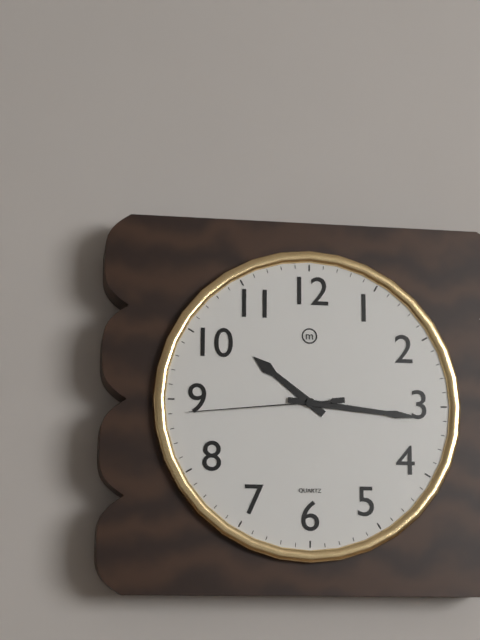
10:16:44
